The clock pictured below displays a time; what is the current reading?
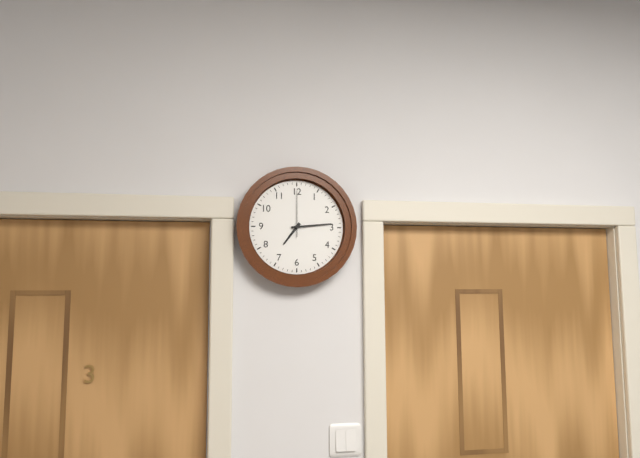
7:14
